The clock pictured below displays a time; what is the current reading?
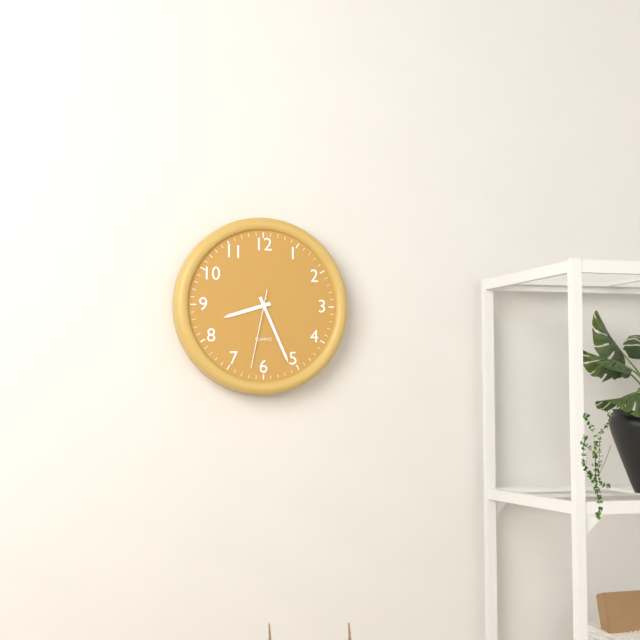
8:26:32
